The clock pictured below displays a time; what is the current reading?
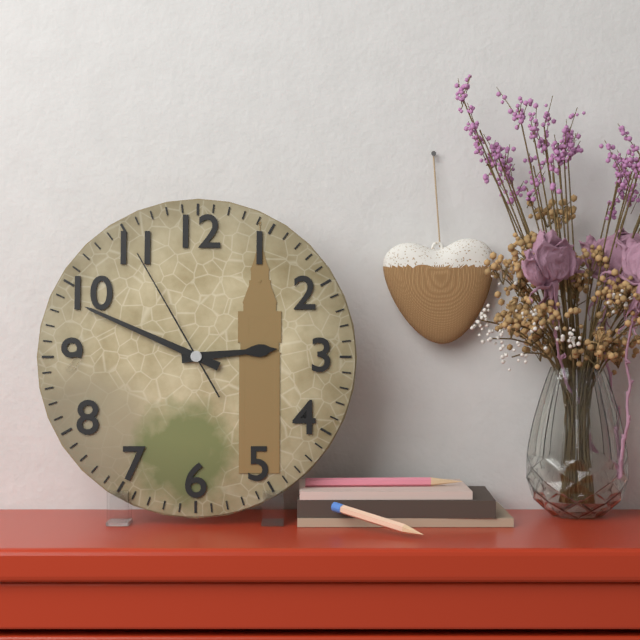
2:49:55
